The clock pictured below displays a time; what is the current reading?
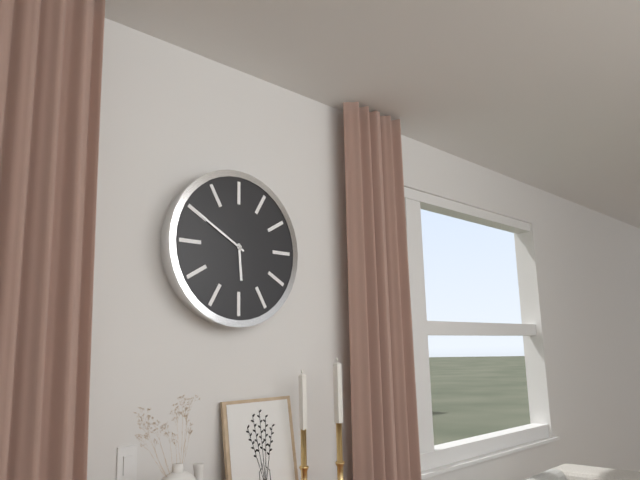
5:50
